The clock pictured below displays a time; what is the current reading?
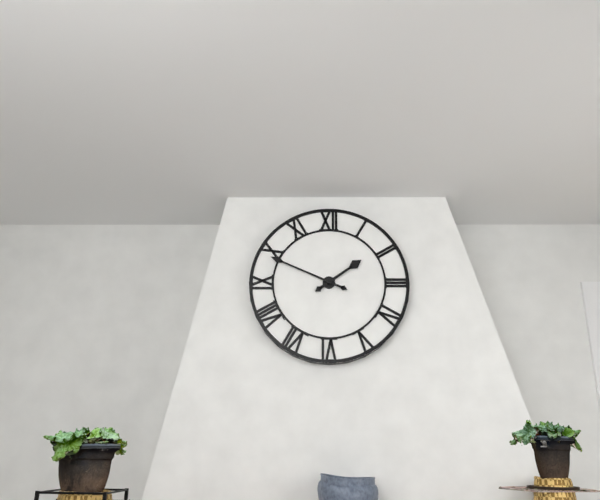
1:49
